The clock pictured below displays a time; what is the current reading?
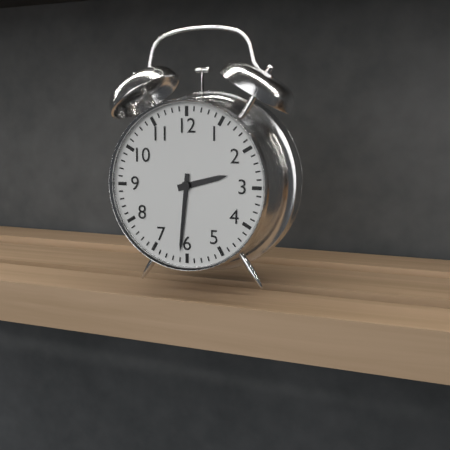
2:31
